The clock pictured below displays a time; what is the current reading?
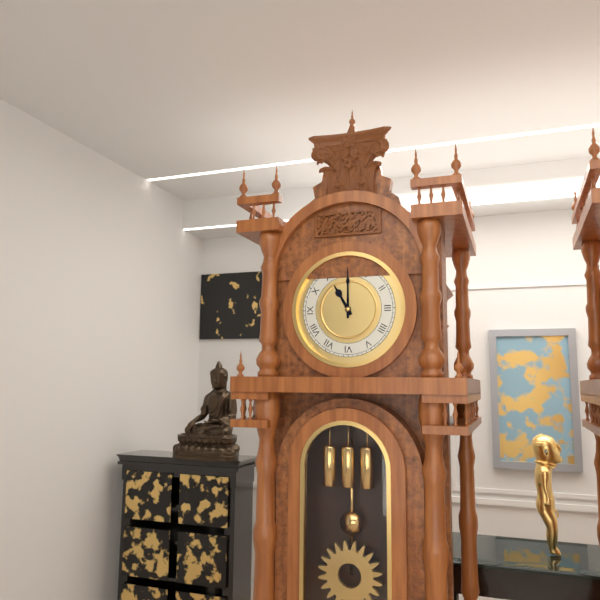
11:00
